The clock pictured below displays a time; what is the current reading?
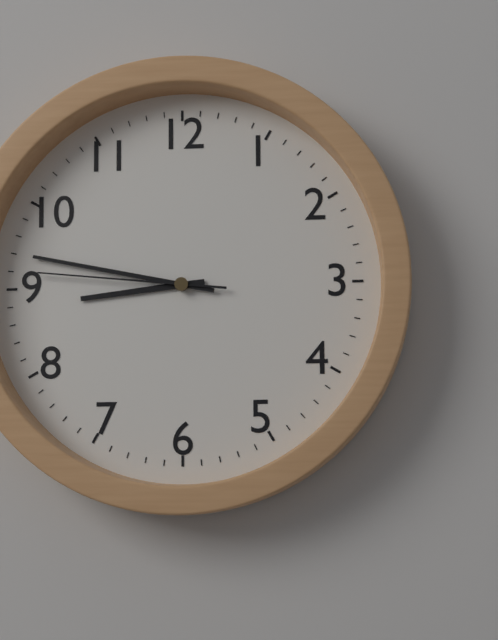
8:47:46
